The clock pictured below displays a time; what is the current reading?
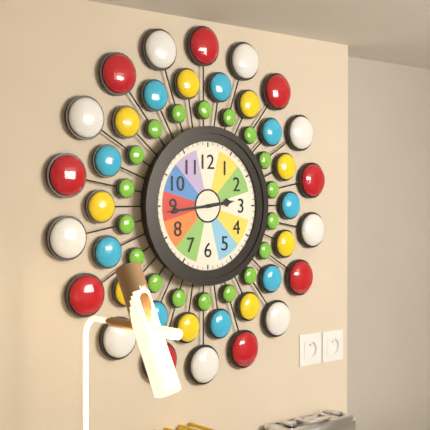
2:44
